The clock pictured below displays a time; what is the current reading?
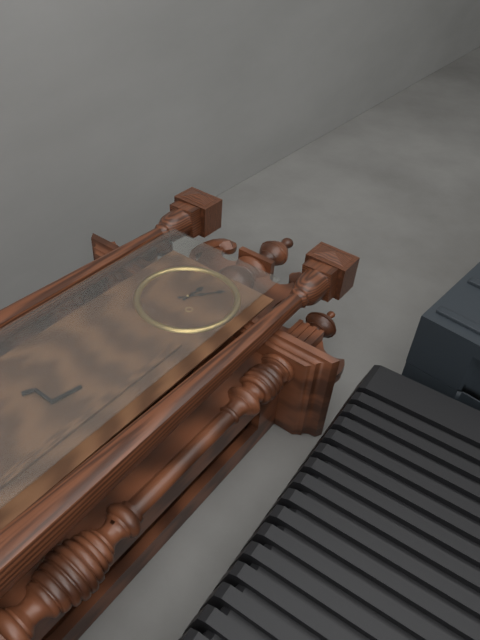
12:06
